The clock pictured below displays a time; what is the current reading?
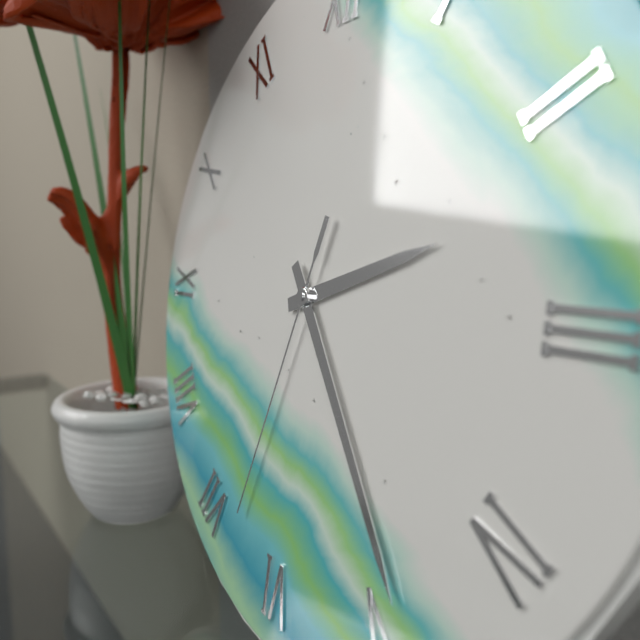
2:24:33
